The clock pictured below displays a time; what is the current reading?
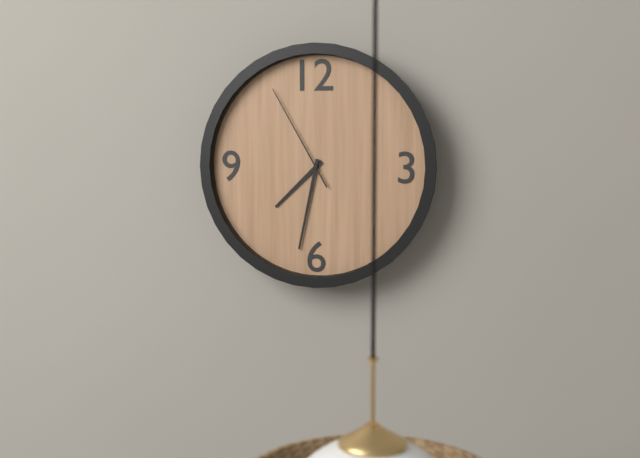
7:32:55
